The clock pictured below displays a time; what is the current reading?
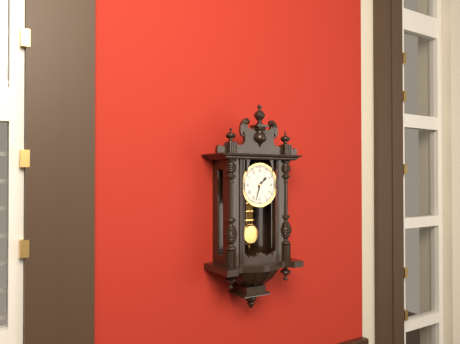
1:33
